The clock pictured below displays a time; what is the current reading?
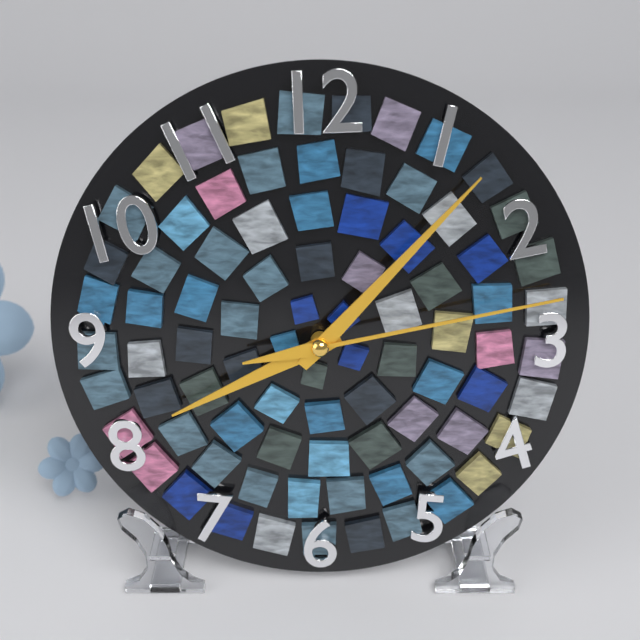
8:07:13
